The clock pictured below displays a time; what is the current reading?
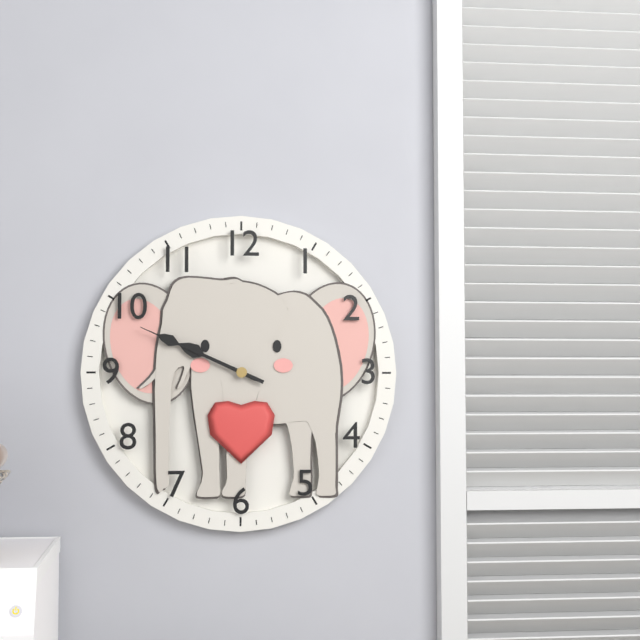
9:49
